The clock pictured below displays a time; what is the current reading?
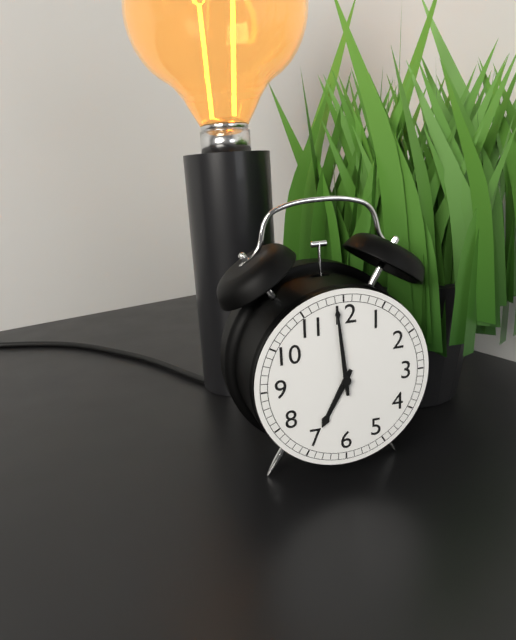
6:59
